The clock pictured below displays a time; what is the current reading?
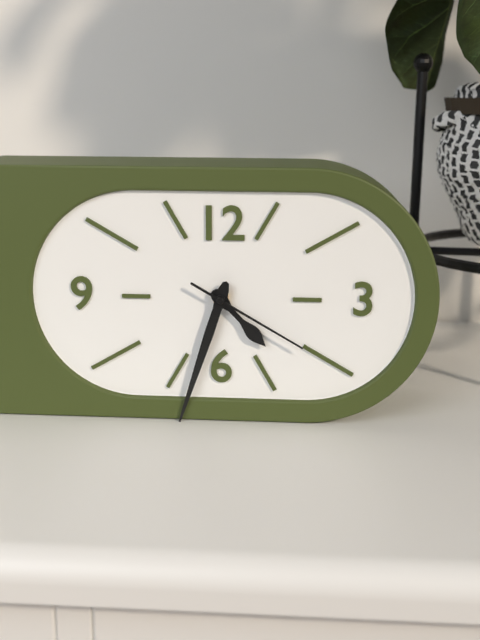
4:33:20
